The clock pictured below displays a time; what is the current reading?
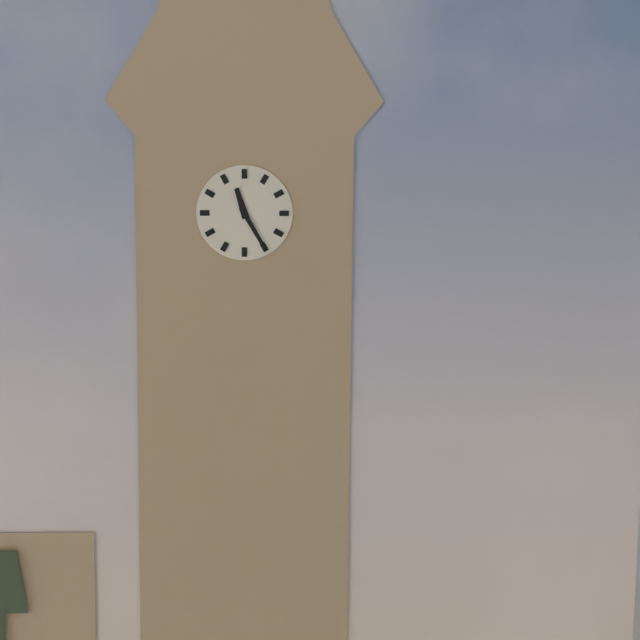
11:25
